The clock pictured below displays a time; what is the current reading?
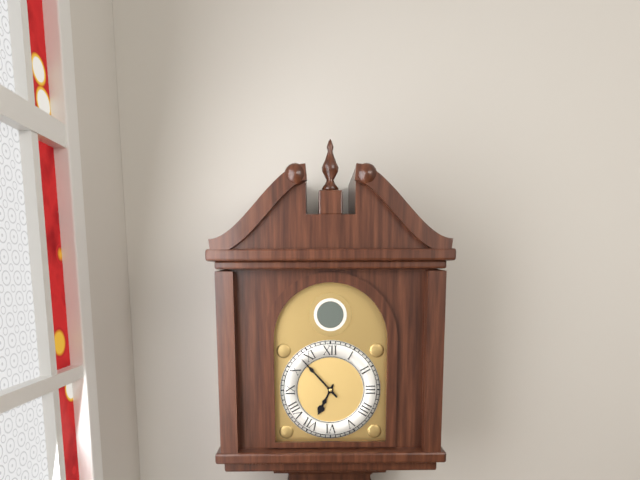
6:53
